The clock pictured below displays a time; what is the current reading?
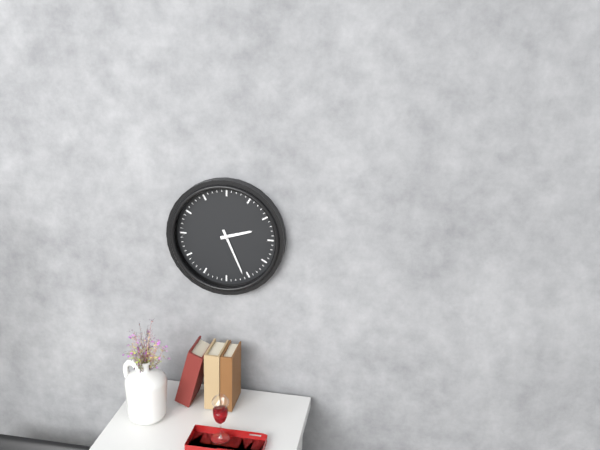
2:26
